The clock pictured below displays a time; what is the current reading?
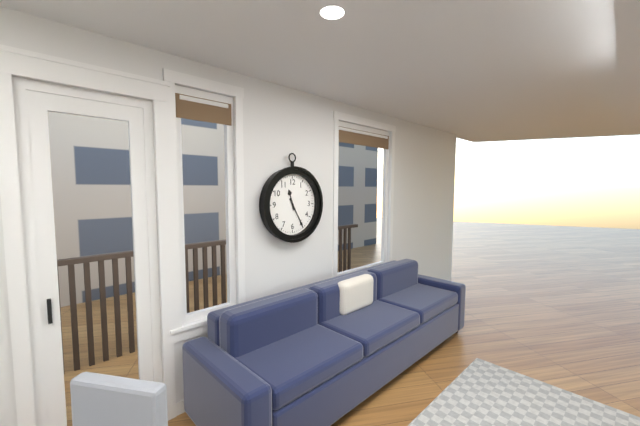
11:25
